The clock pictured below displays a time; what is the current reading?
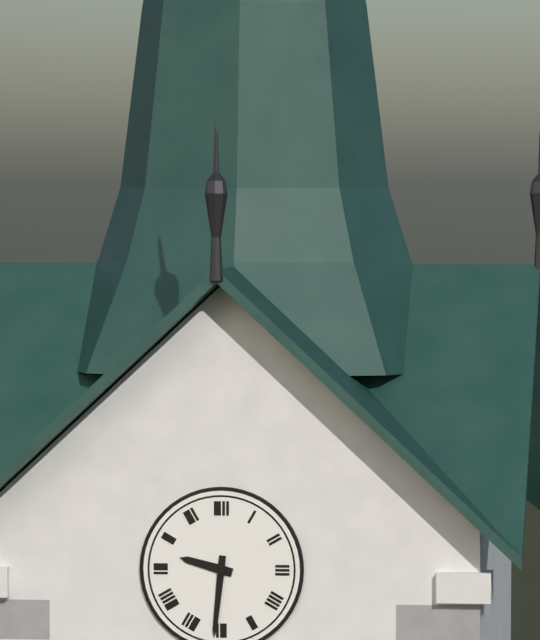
9:31
